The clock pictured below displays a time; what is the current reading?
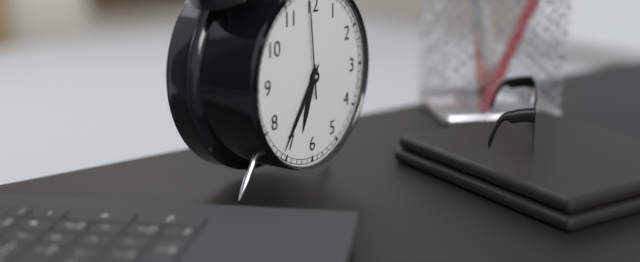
6:36:59
